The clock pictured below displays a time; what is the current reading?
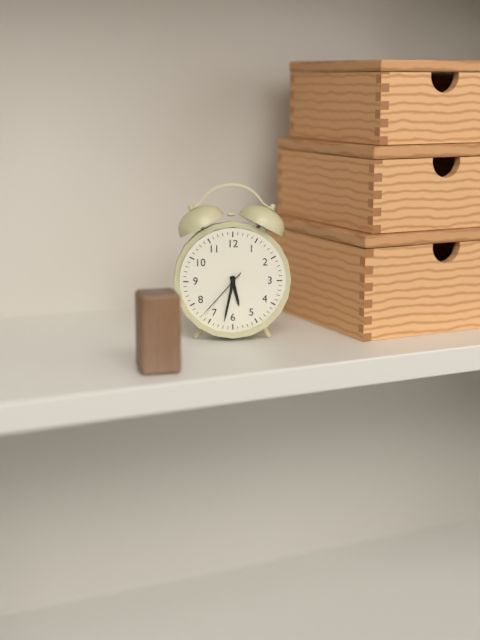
5:32:37
